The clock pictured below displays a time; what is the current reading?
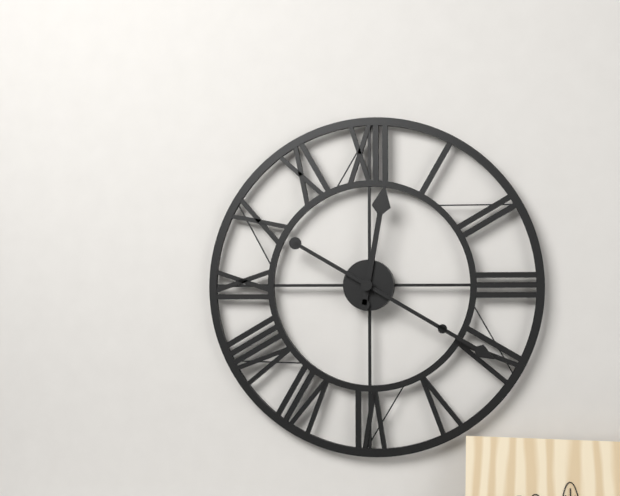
12:20
